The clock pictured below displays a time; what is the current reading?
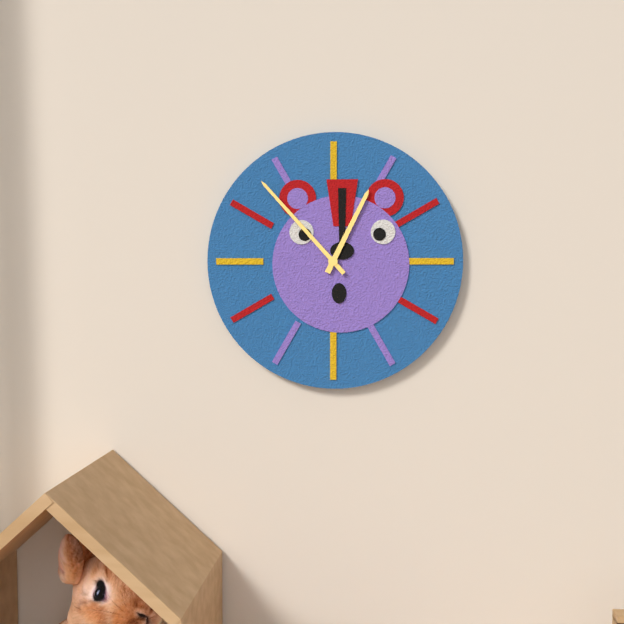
12:53
